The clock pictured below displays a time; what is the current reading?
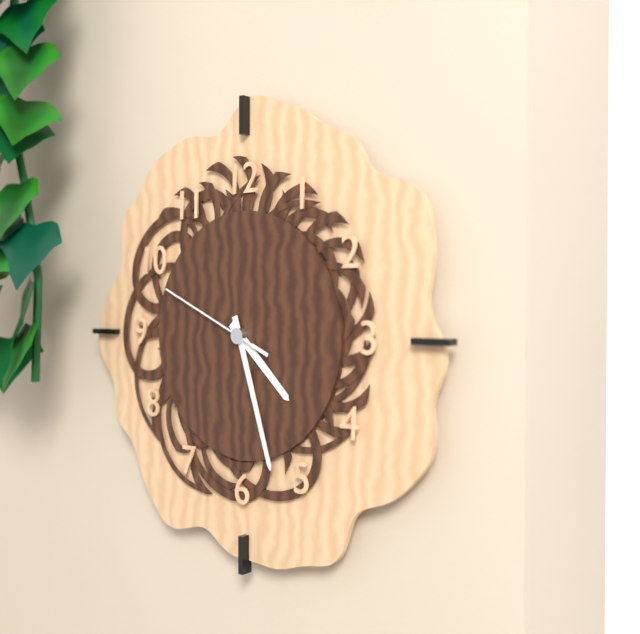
4:27:49
